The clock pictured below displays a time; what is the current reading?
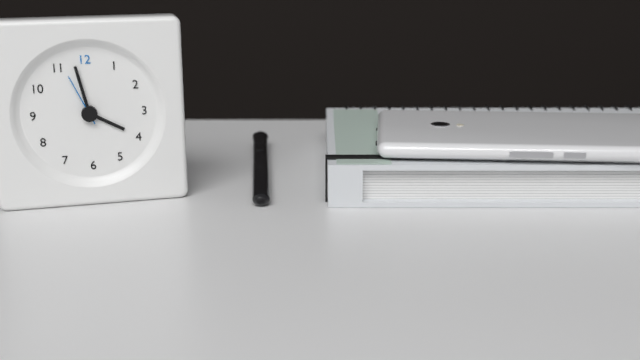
3:58:56
